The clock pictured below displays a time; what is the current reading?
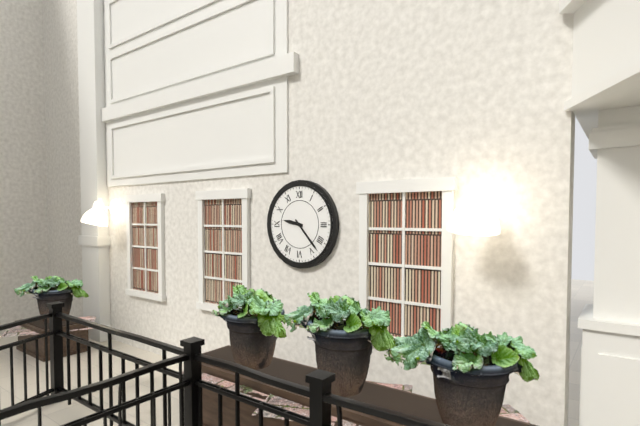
9:23
